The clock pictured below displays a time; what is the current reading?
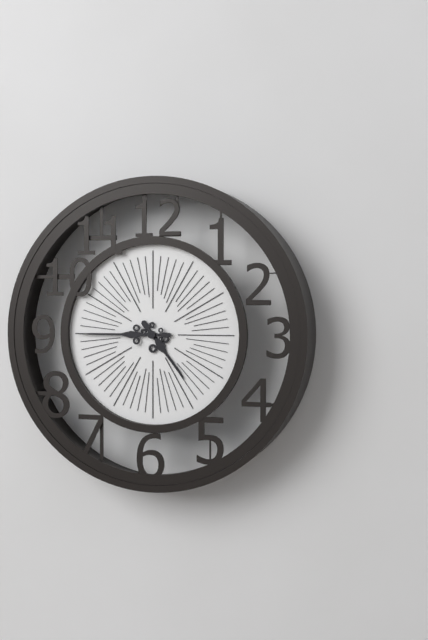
4:45
